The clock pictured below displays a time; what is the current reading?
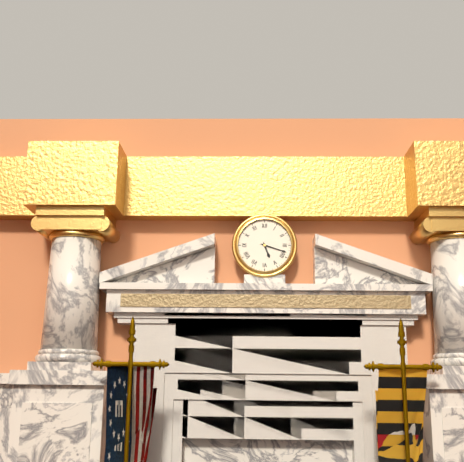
5:18
